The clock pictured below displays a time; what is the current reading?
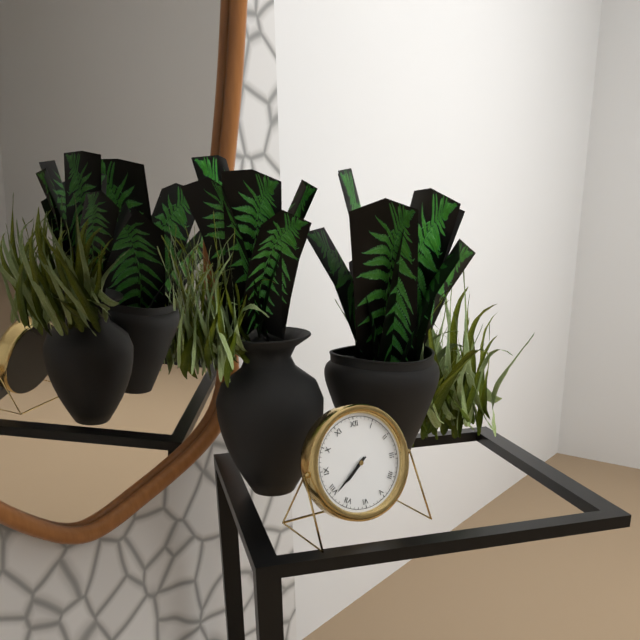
7:39
